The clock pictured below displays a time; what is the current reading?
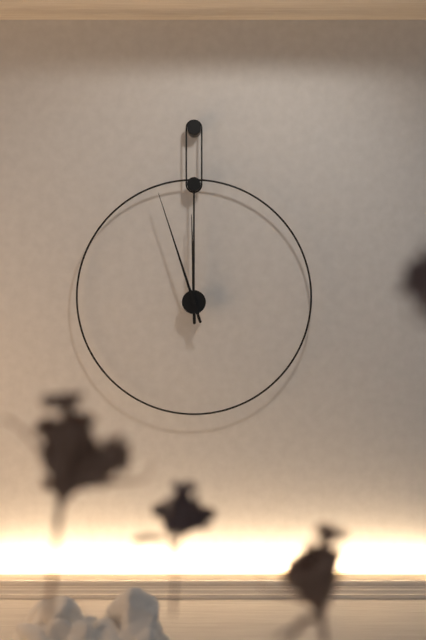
11:57
